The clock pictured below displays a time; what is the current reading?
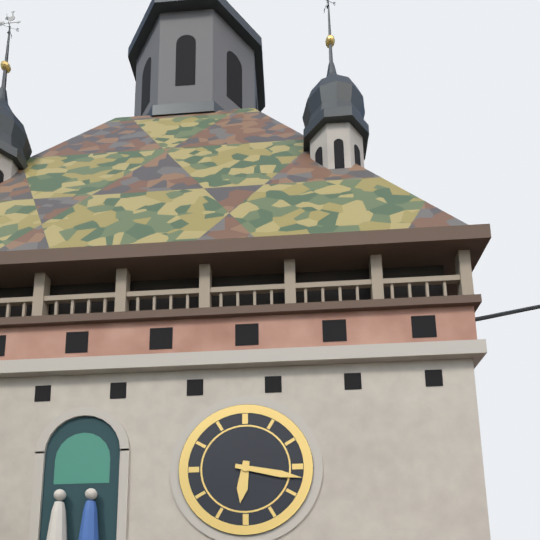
6:17
